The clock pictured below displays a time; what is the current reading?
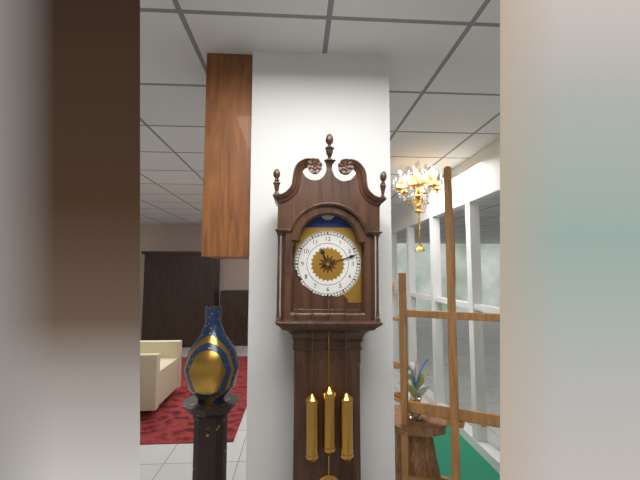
11:12
